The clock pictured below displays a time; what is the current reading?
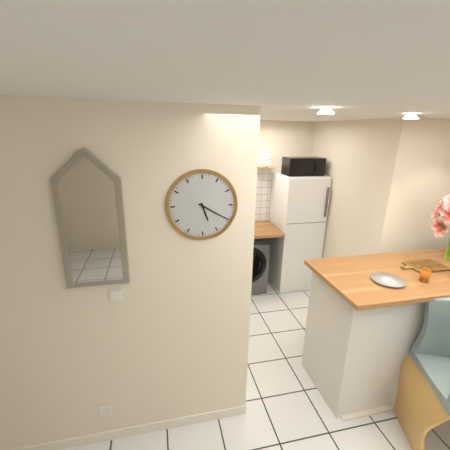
5:20
